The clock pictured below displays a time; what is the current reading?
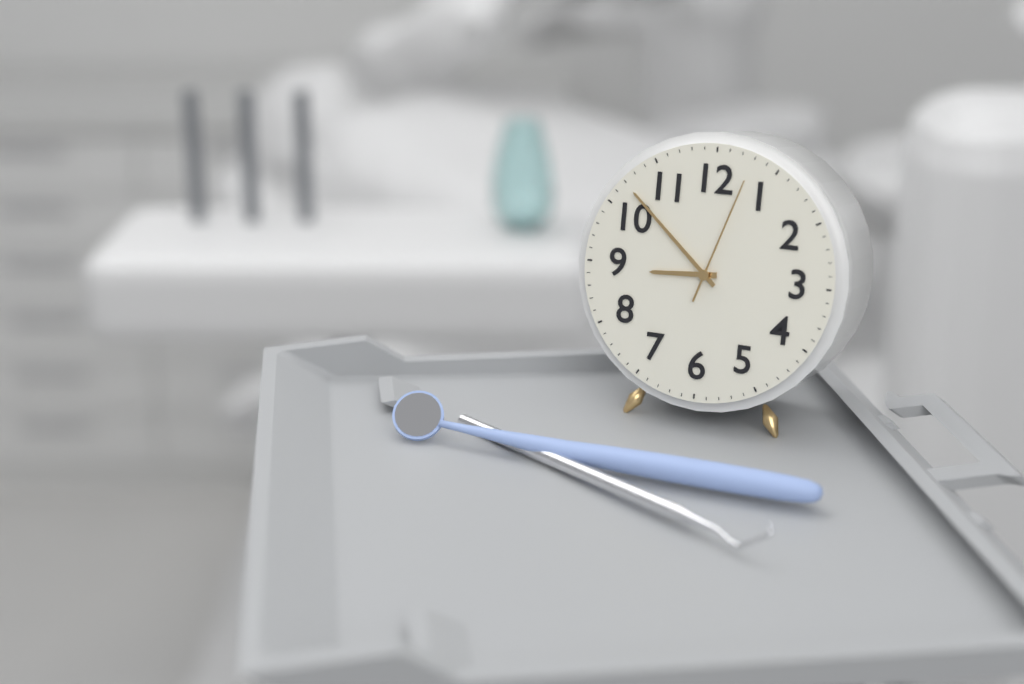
8:52:03
